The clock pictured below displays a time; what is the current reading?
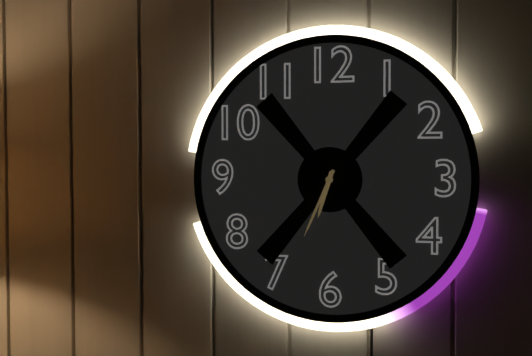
6:34
